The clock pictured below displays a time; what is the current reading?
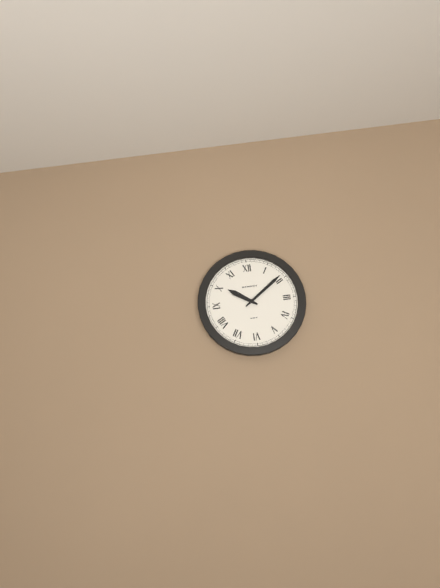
10:09
